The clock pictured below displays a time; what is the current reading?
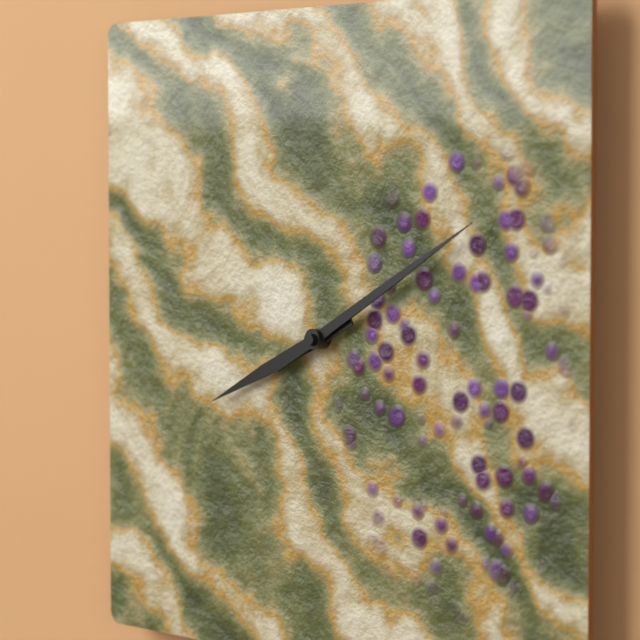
8:10
